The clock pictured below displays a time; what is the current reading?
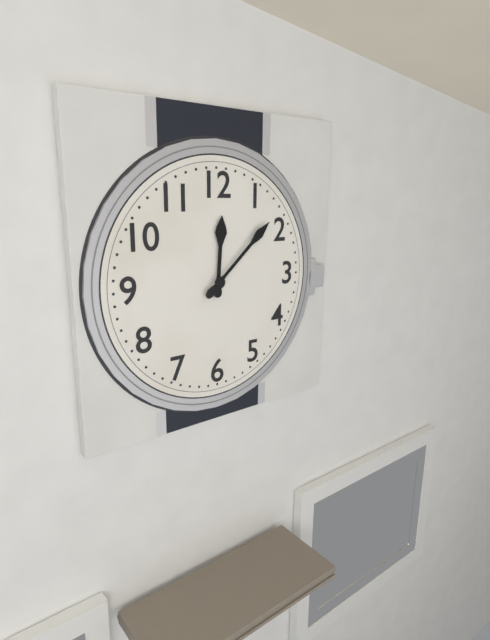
12:08
